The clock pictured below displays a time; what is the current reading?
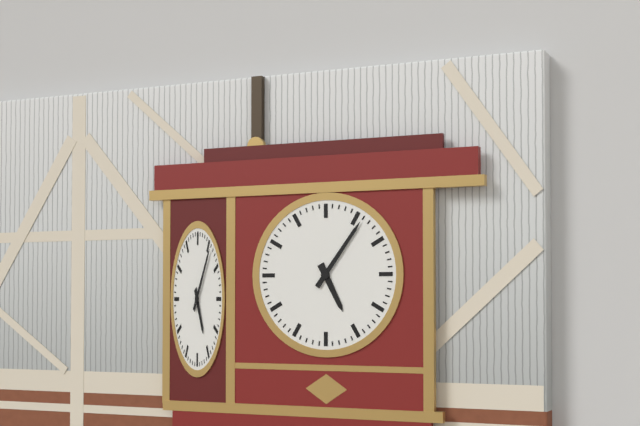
5:06
